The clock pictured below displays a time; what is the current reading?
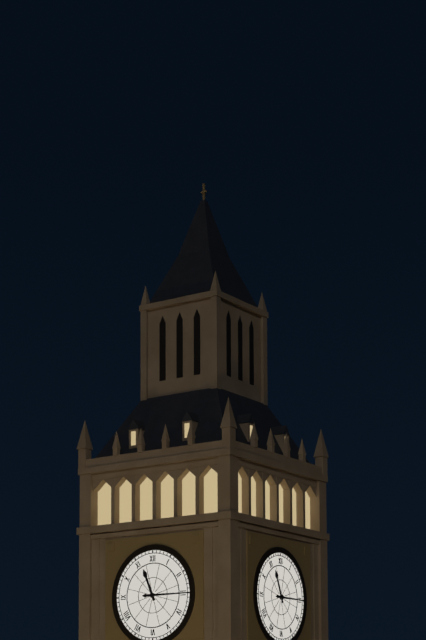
11:15
